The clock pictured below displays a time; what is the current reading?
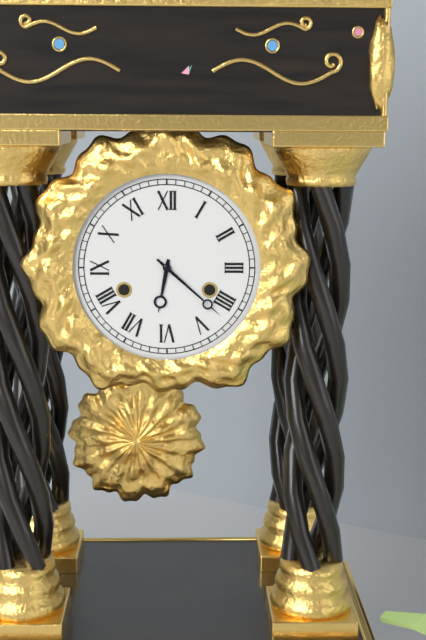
6:22
